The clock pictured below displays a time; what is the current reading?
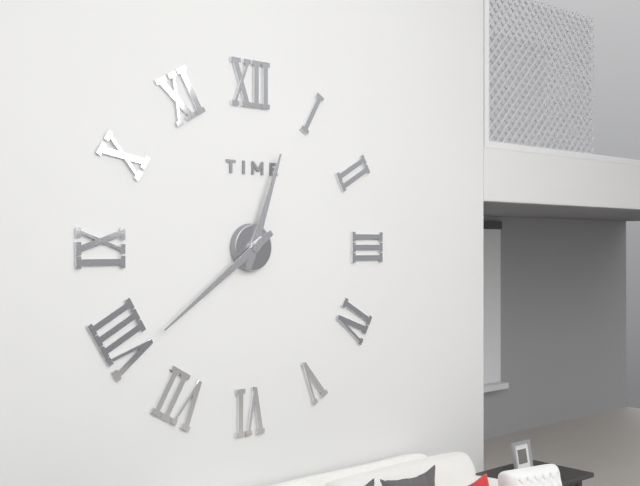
12:39
